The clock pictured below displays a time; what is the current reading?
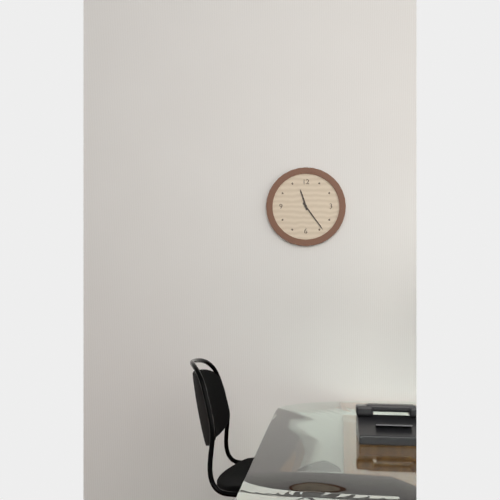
11:24
